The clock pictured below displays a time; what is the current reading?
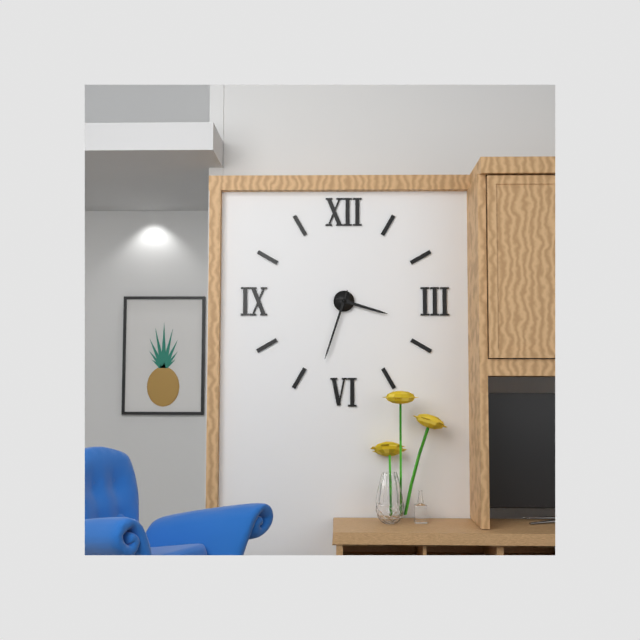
3:33
